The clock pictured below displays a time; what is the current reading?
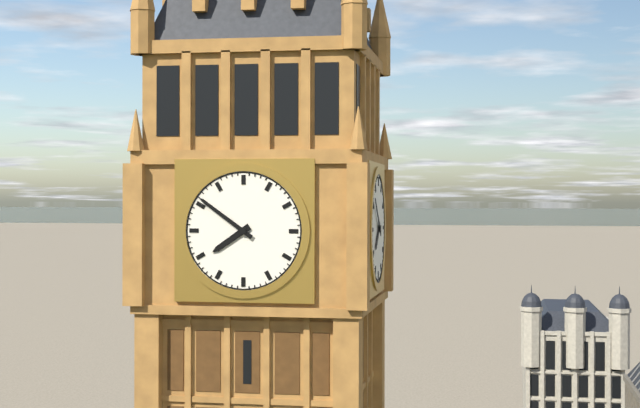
7:51
